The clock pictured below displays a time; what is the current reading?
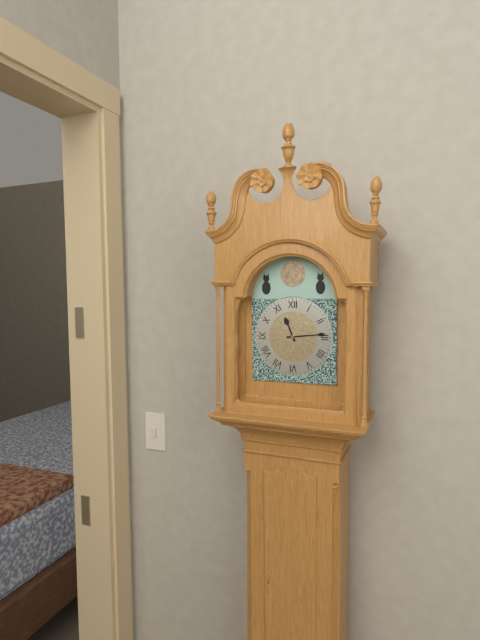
11:14
